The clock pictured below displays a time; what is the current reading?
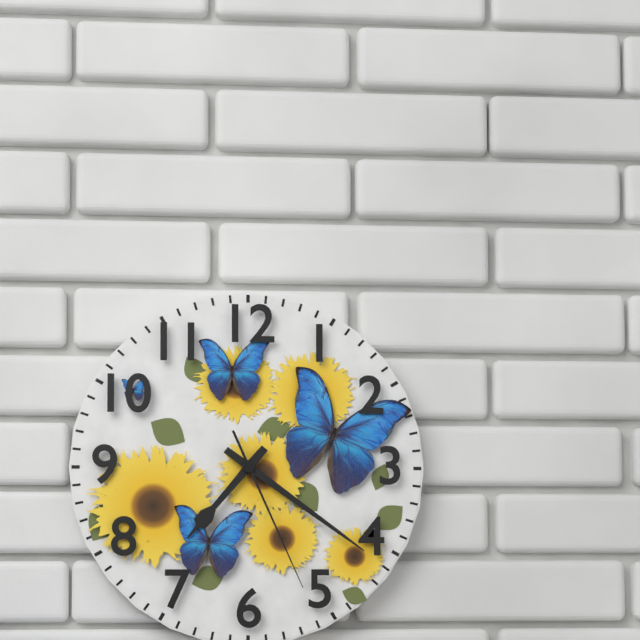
7:21:26
